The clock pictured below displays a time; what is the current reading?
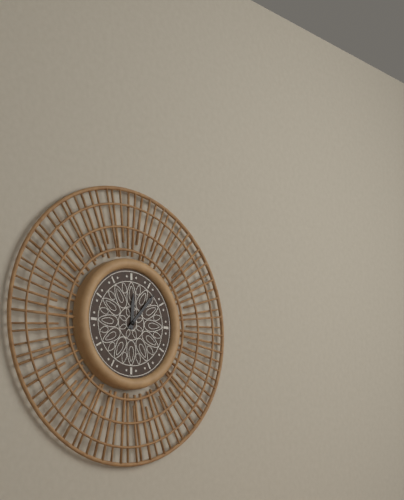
12:07
